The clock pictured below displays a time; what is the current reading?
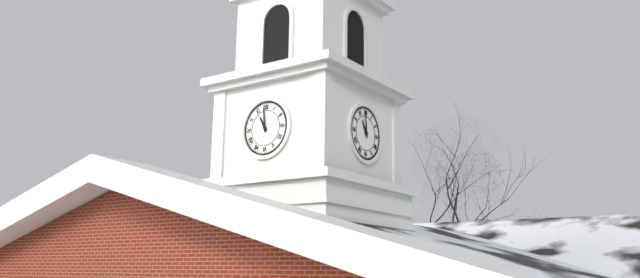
10:59
